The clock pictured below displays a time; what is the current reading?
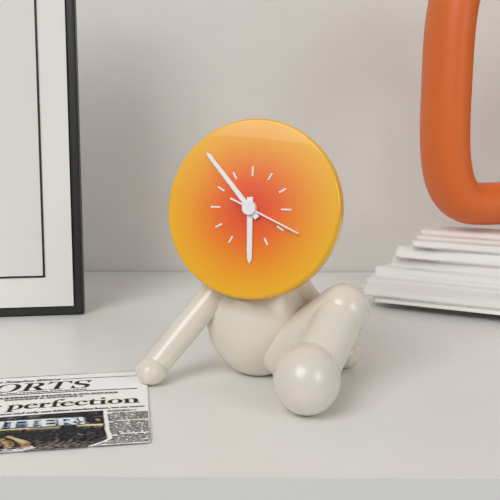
5:53:19
